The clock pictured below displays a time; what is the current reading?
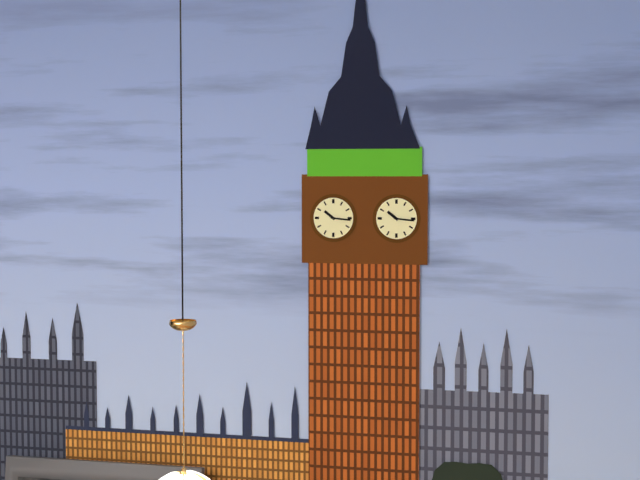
10:16
